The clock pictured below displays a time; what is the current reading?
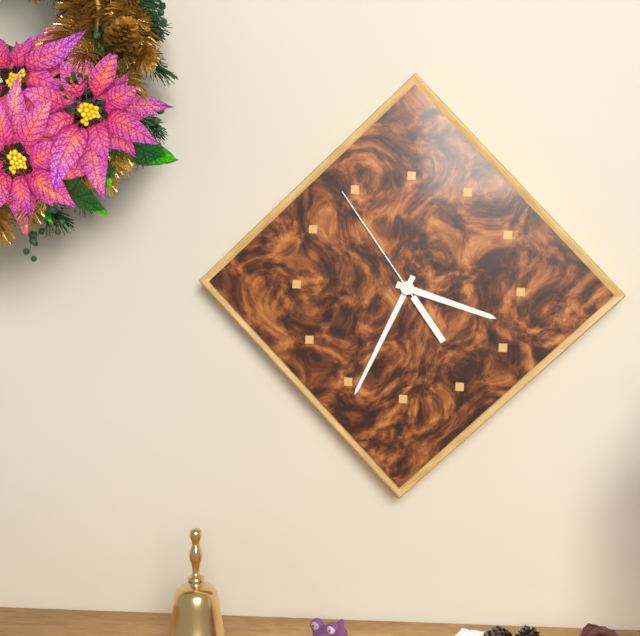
3:34:54
